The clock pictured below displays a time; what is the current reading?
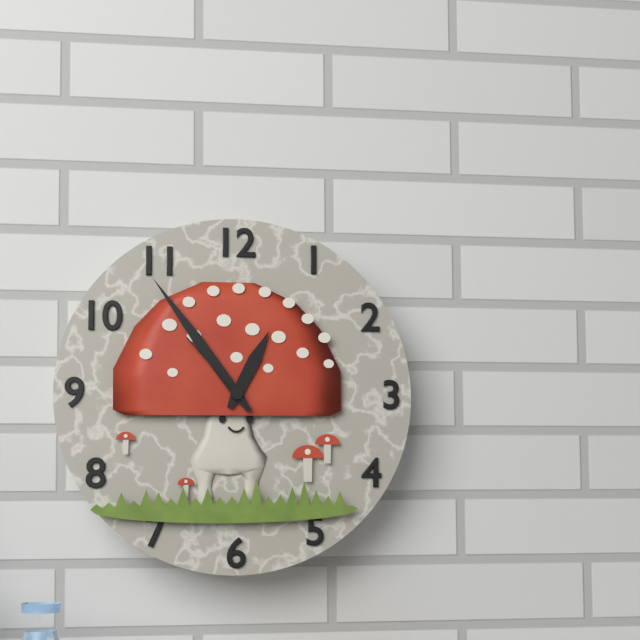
12:54:53
